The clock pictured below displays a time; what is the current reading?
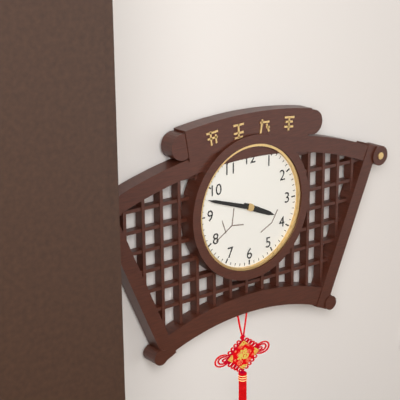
3:48
